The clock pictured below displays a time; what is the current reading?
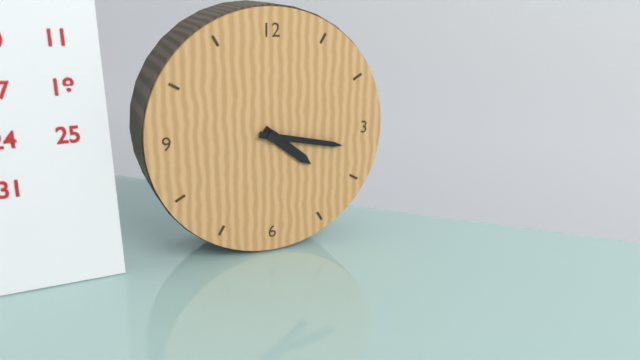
4:17
